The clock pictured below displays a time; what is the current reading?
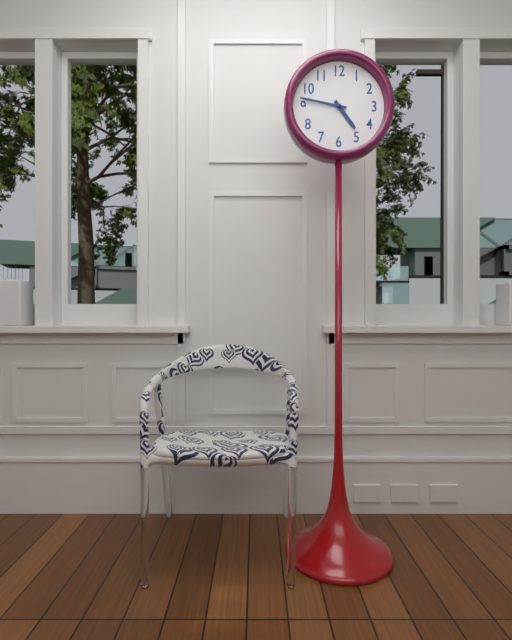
4:47
